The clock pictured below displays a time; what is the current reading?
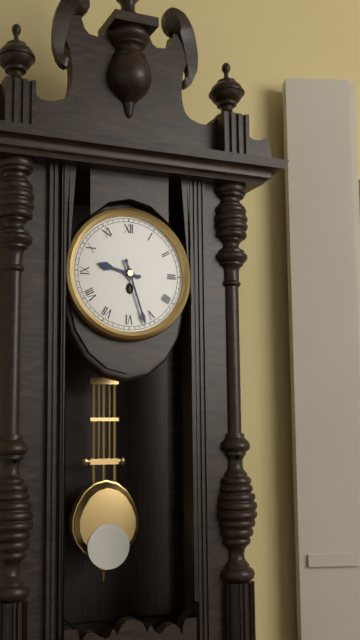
9:27
